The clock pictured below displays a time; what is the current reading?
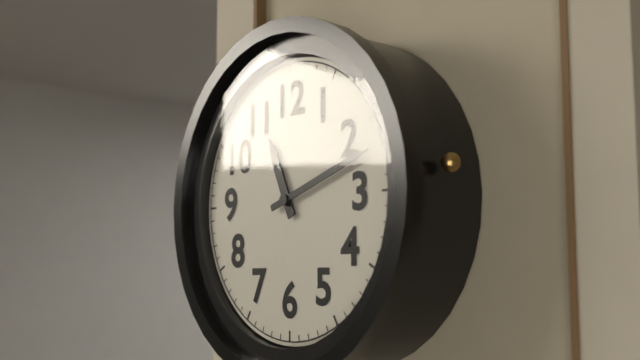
11:12
